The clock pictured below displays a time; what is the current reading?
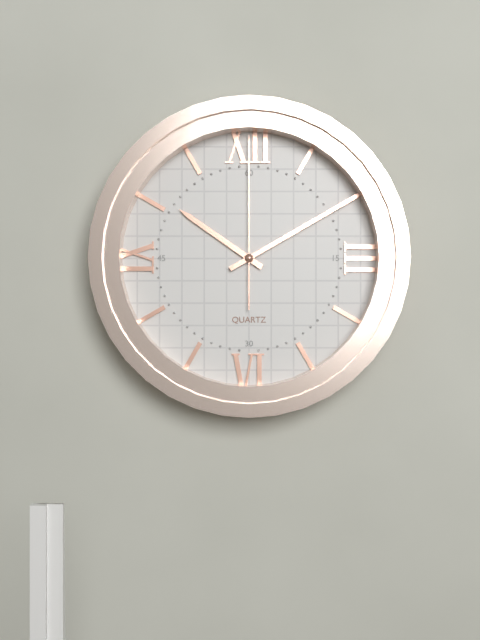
10:10:00
